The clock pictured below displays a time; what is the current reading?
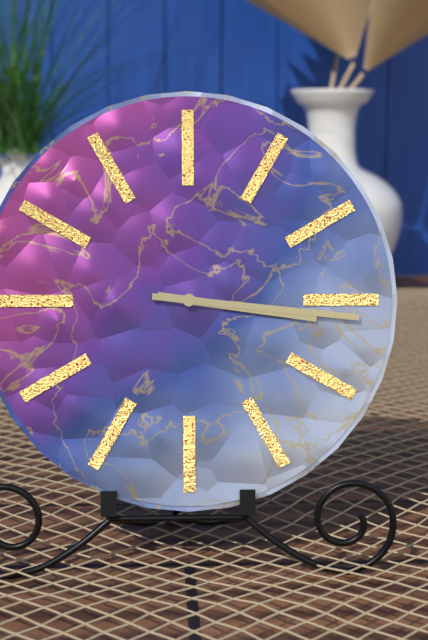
3:16
